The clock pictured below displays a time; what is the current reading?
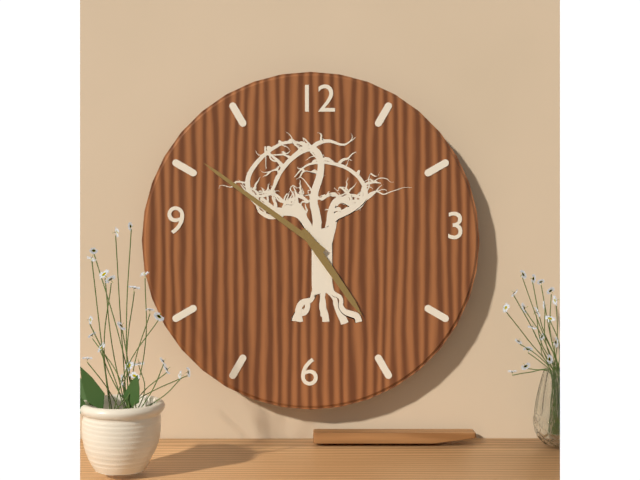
4:51
